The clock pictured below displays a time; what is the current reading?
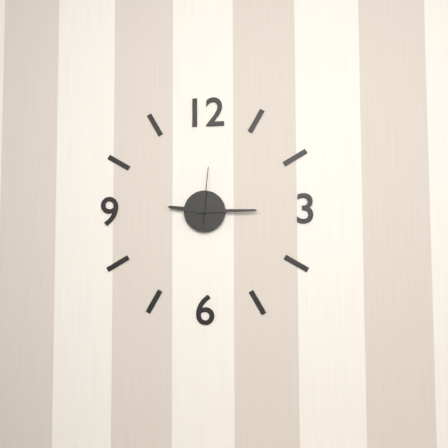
9:15:01
